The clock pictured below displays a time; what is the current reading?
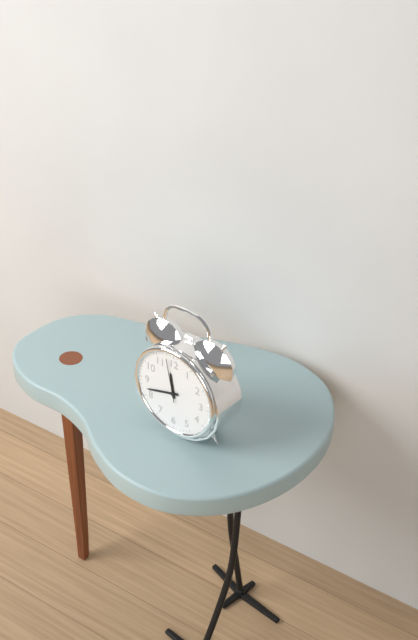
11:42
